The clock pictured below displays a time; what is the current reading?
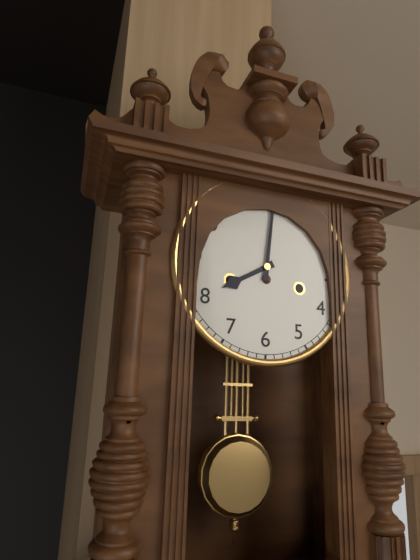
8:01
